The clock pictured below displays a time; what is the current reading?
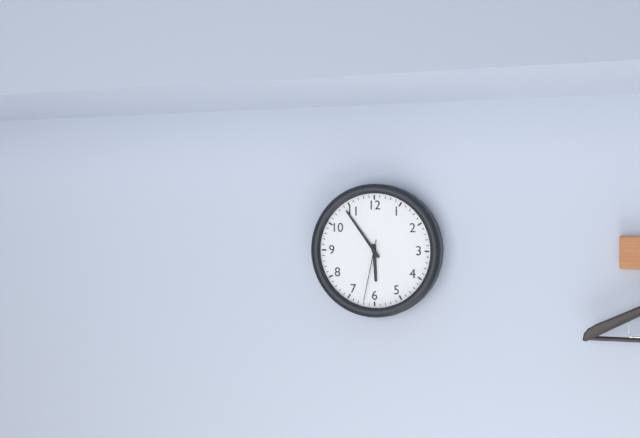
5:54:32
